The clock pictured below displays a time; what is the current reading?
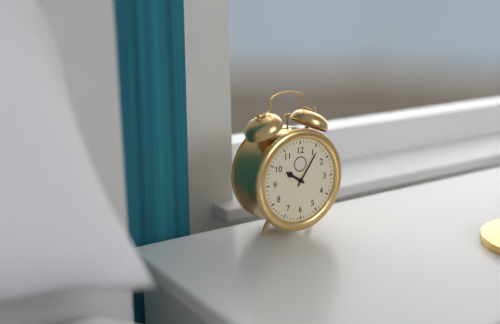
10:06
